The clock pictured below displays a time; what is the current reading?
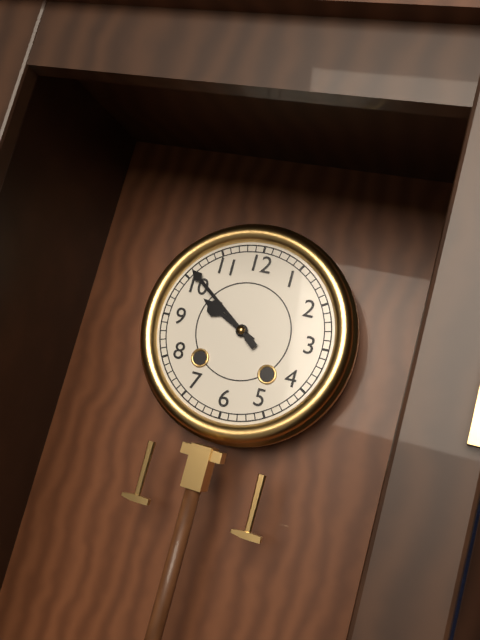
9:51
